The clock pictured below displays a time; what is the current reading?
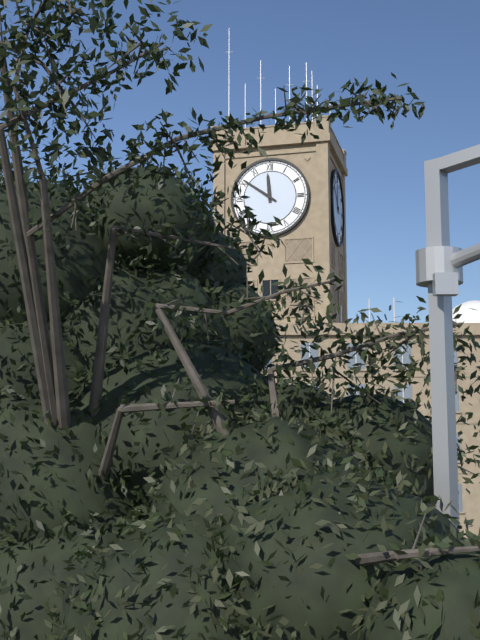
11:51
